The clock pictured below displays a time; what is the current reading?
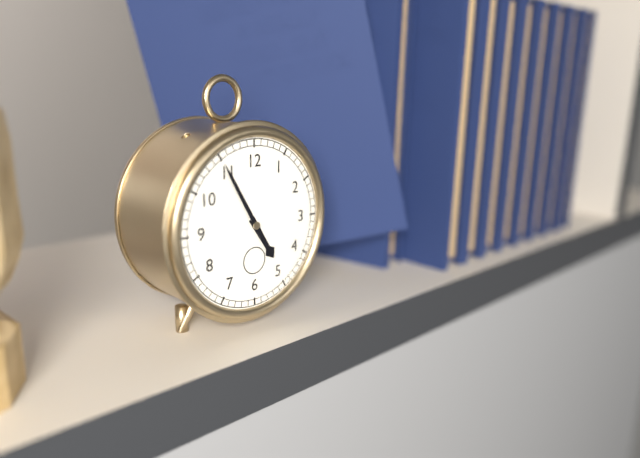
4:55
